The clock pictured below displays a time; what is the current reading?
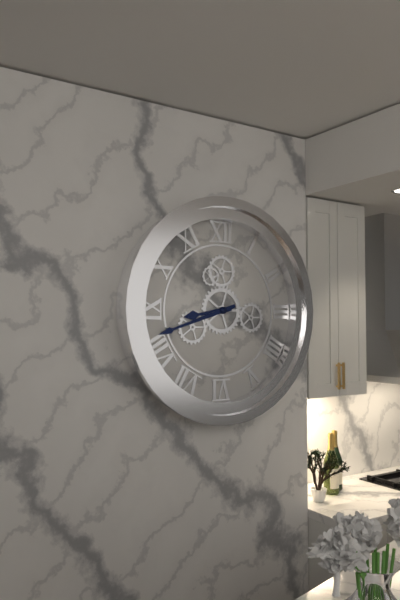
8:42
